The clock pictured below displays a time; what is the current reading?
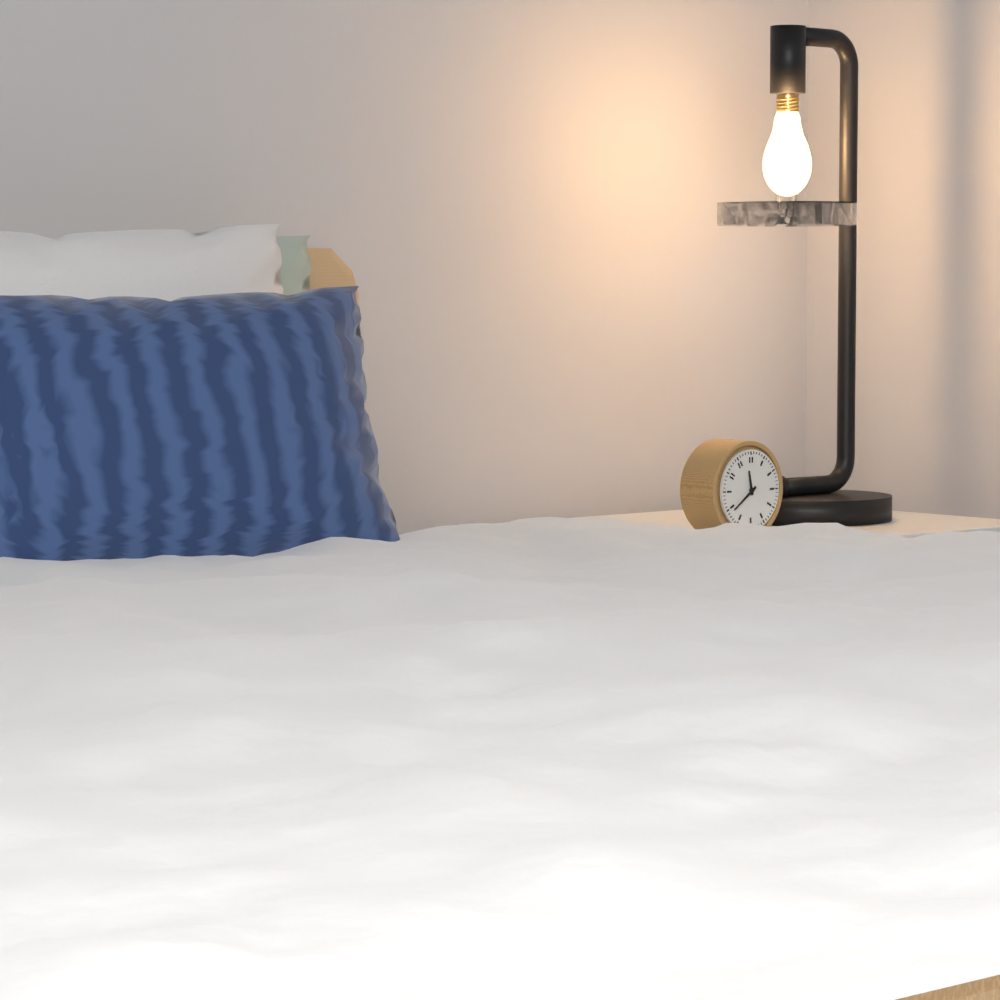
11:39
